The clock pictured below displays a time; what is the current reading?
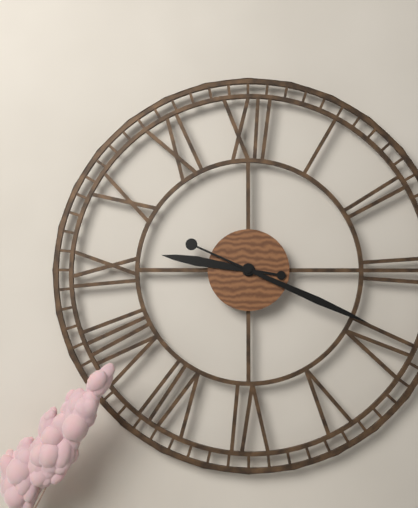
9:19
